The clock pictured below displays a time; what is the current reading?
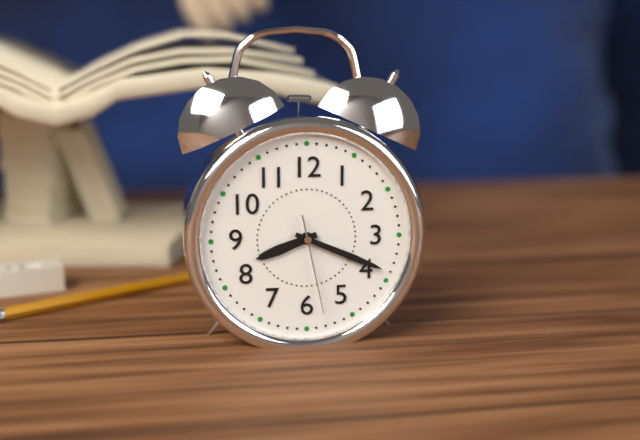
8:19:28
